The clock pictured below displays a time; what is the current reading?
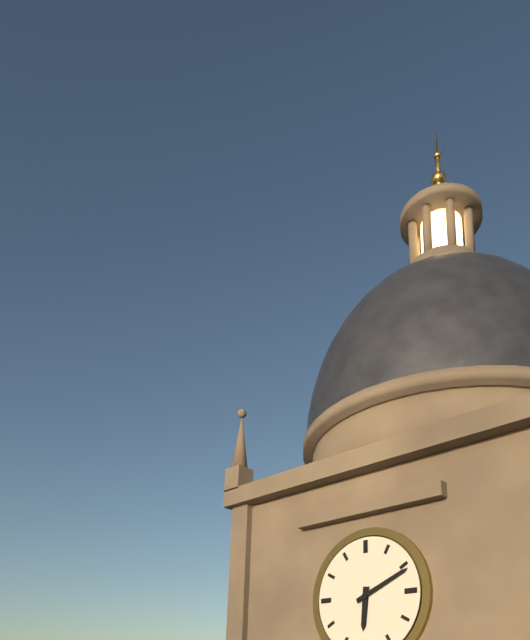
6:11
